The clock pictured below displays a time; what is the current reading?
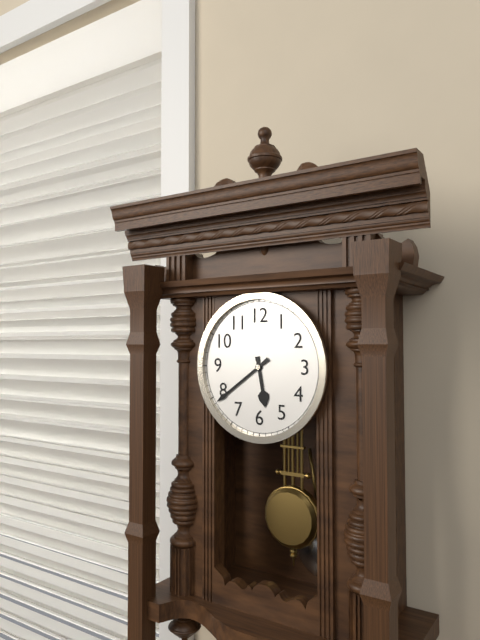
5:39
